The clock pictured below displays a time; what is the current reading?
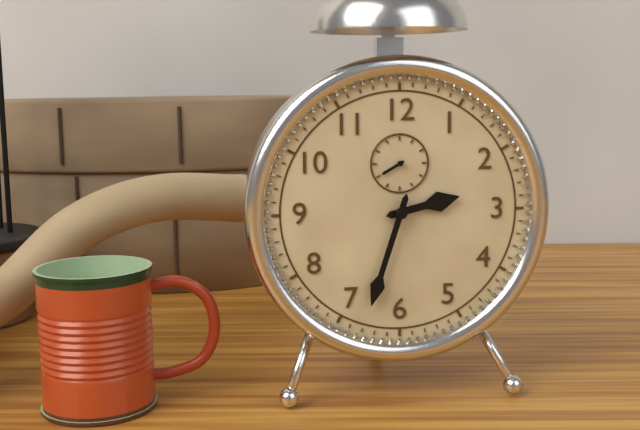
2:33
